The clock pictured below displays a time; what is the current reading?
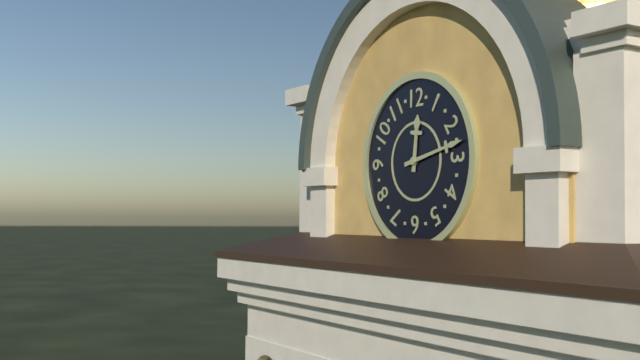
12:13
